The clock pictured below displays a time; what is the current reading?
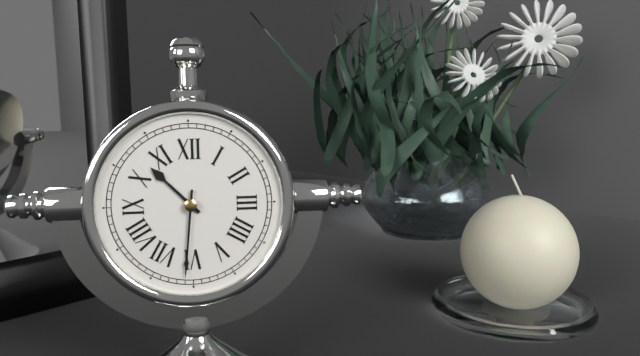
10:31
